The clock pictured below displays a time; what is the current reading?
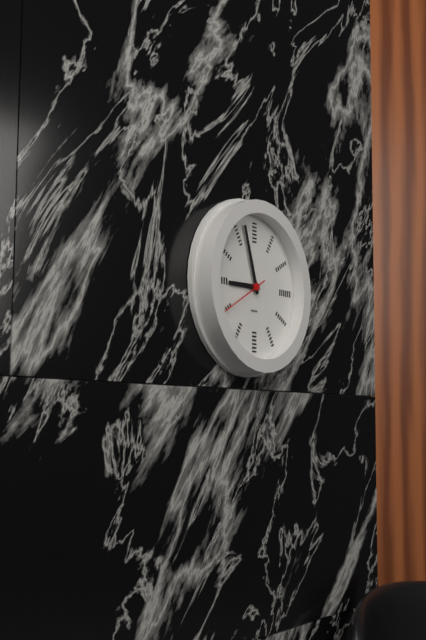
8:57:40
